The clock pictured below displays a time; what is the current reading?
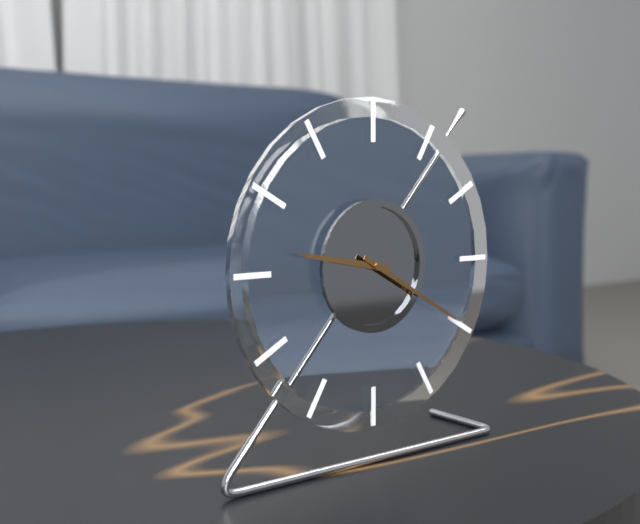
9:20
